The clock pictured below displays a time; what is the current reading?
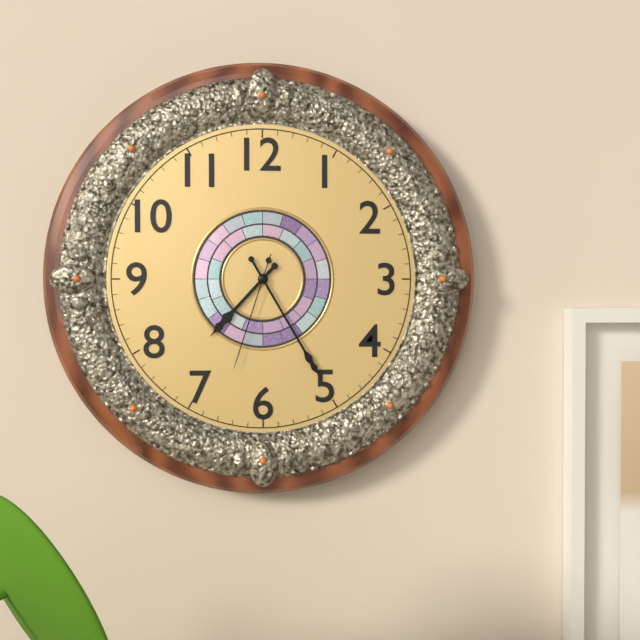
7:25:33
